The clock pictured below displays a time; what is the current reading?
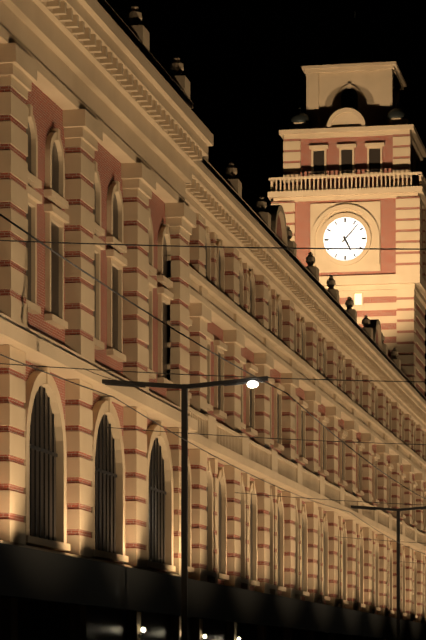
5:07
